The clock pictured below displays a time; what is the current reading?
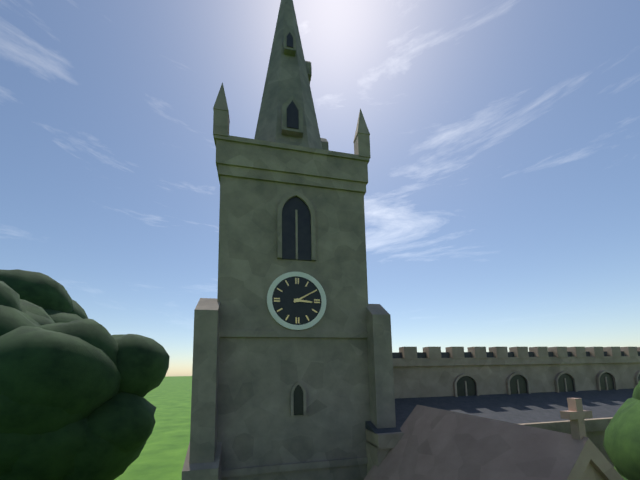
3:10
